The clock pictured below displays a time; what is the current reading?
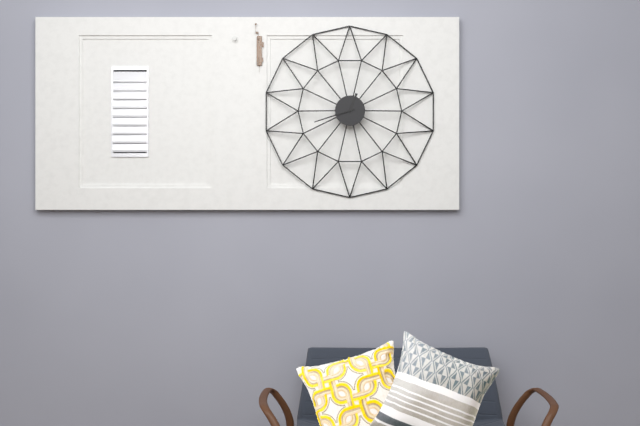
12:42
